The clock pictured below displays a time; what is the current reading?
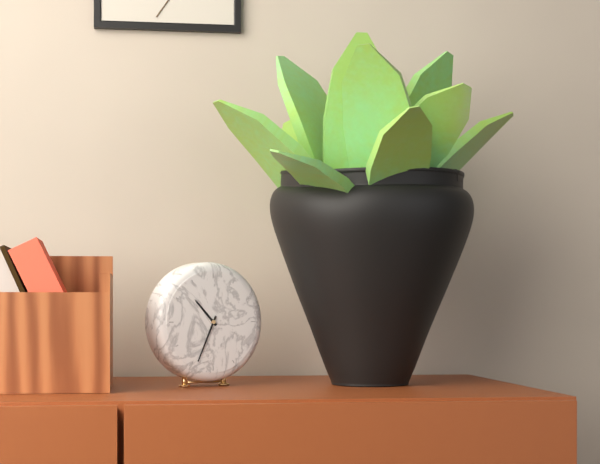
10:34
